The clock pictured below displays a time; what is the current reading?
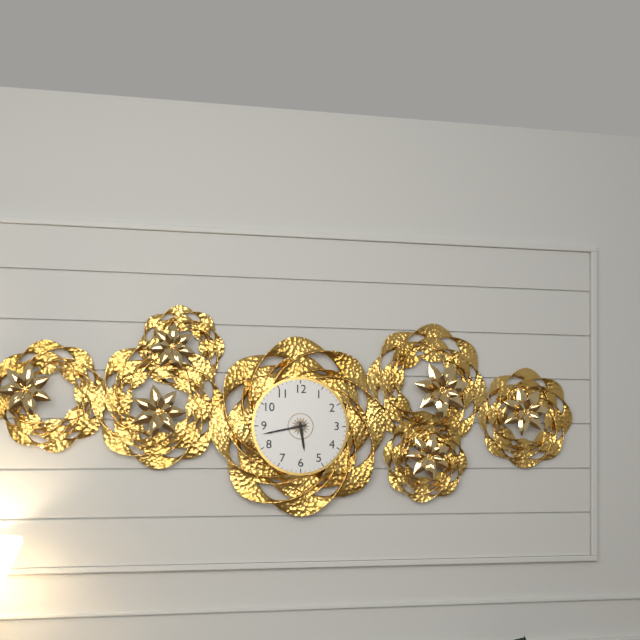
5:43
